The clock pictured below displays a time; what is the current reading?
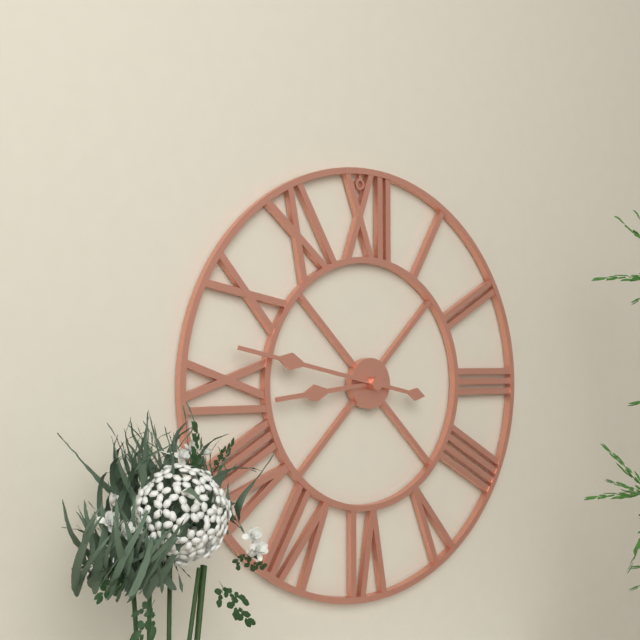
8:47
